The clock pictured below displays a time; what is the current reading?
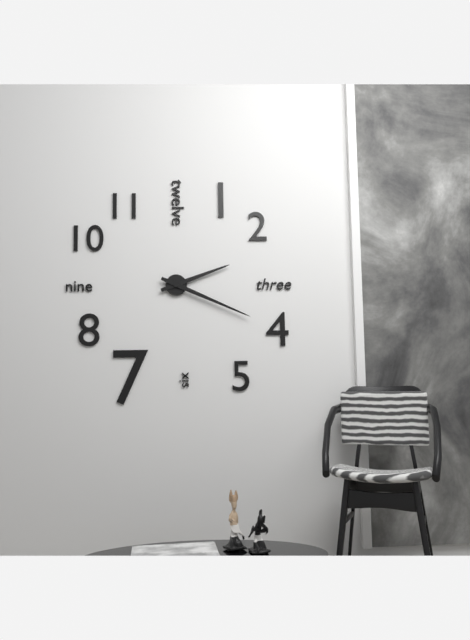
2:19
